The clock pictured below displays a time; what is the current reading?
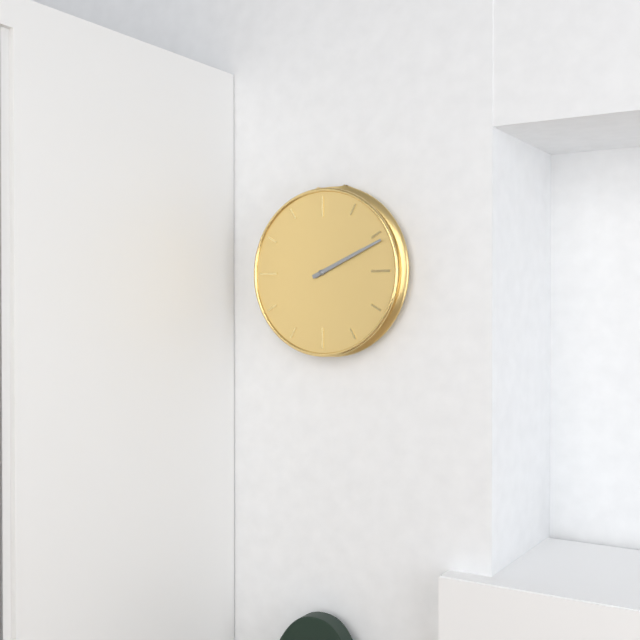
2:11
